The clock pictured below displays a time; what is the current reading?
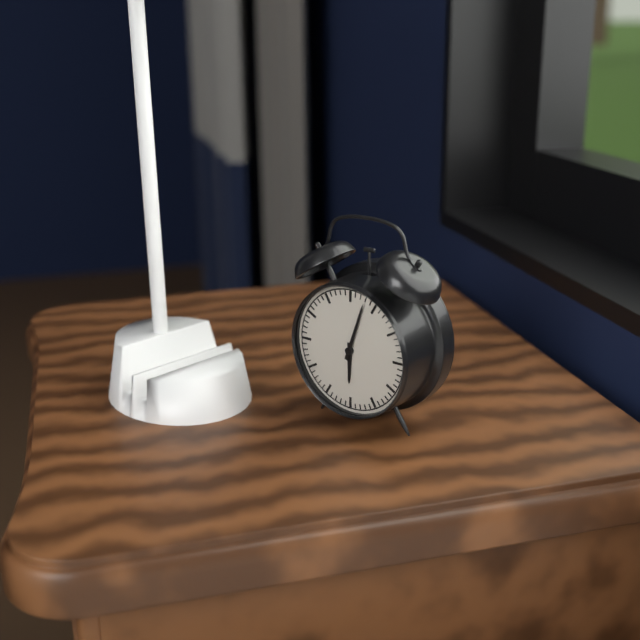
6:03
